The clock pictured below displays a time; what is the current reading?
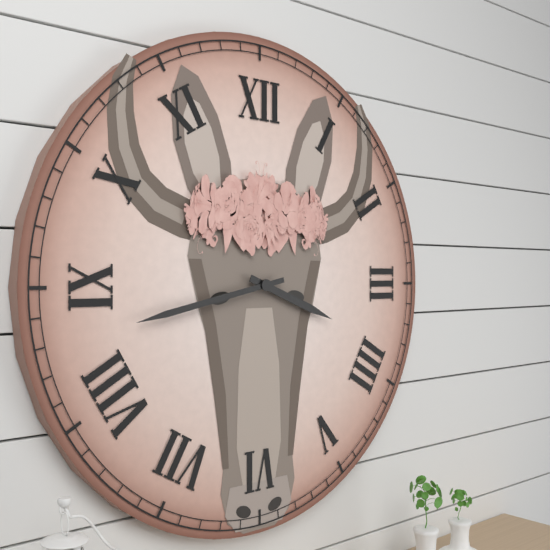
3:43
